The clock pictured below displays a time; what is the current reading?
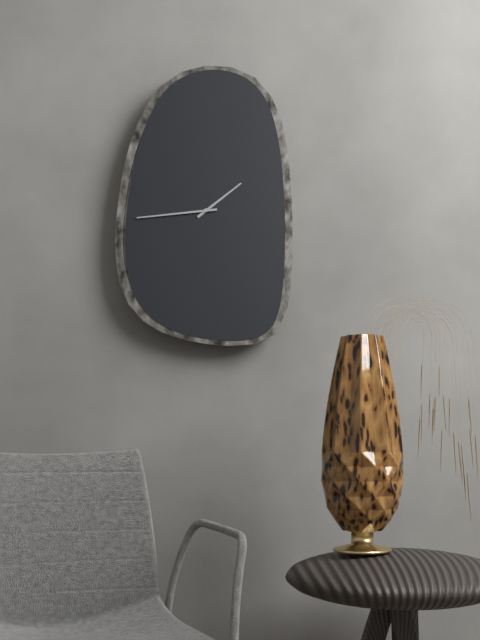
1:44
